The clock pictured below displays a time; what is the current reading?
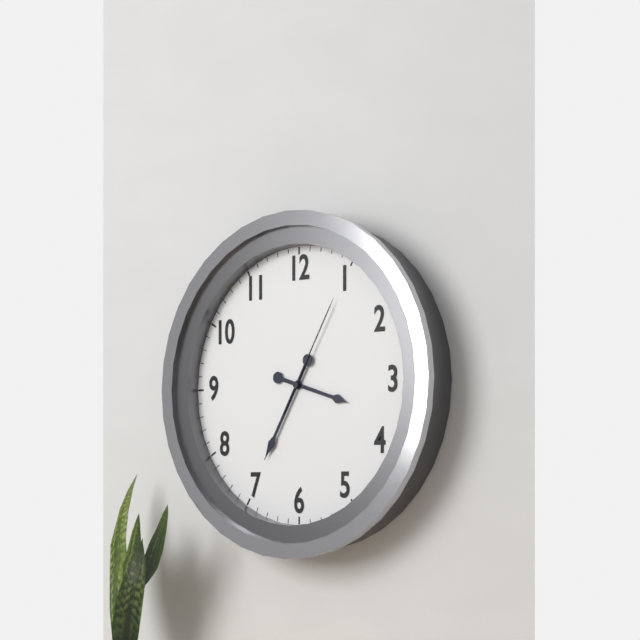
3:35:05
